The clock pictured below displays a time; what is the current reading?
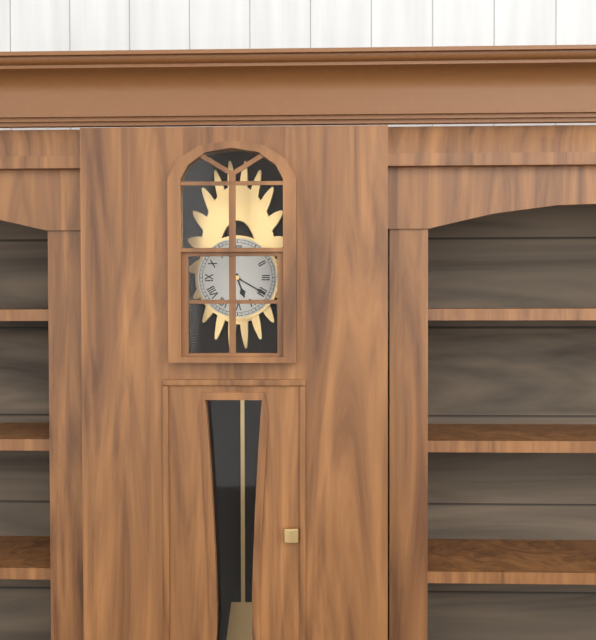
5:20
